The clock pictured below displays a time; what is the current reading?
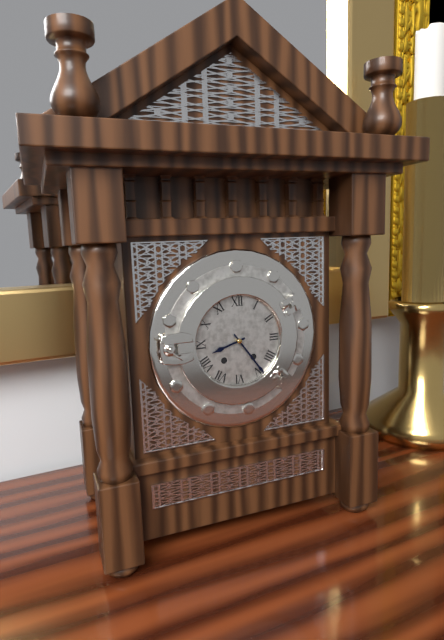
8:24
